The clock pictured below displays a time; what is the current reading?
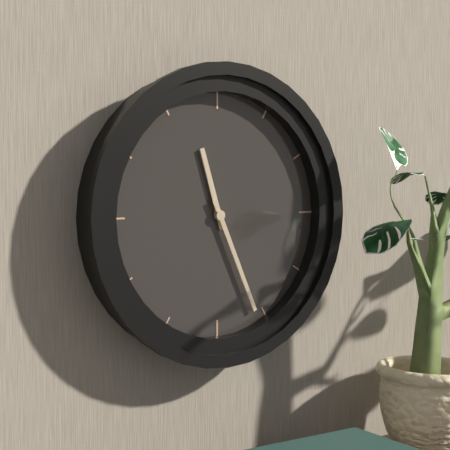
11:26
